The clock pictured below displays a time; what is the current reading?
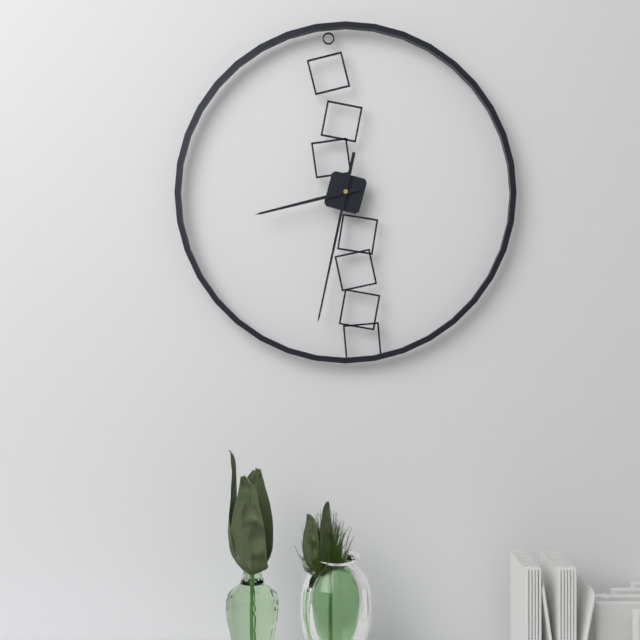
8:32
